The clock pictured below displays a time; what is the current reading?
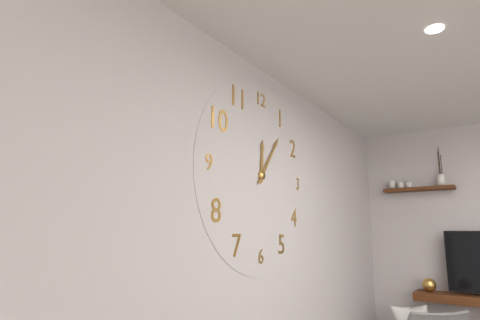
12:06
